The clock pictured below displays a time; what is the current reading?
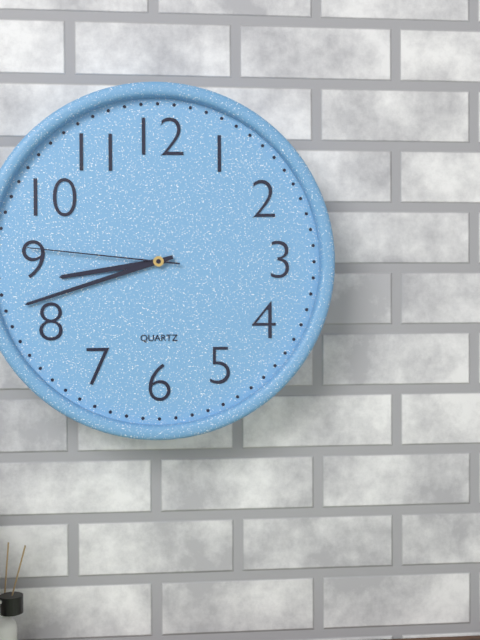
8:42:46
